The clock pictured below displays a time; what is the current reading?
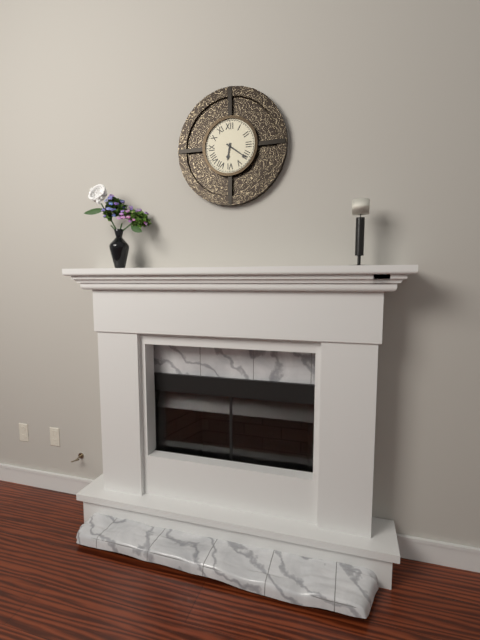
6:21
